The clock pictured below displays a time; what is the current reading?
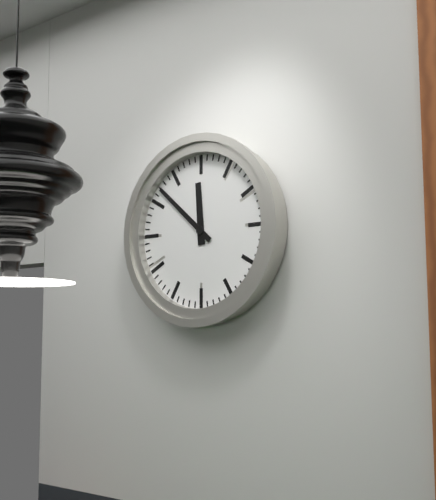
11:52
